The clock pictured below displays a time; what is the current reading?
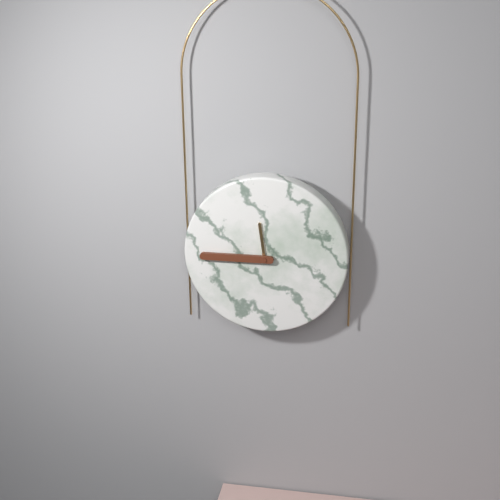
11:45
